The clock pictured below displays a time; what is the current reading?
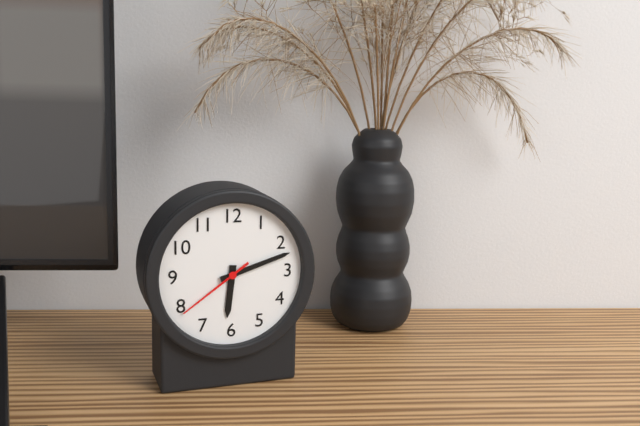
6:12:39
